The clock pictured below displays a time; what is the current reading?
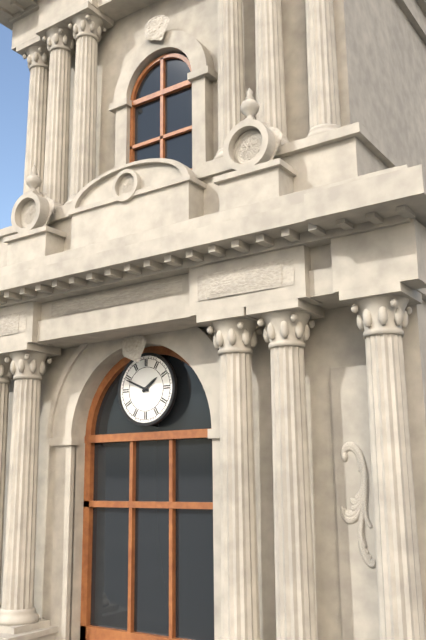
1:49
